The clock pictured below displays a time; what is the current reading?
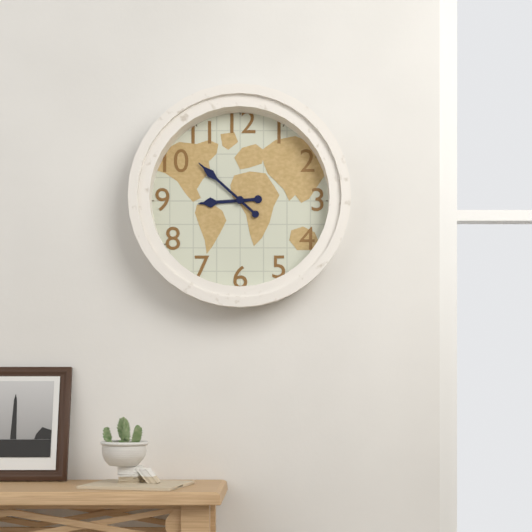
8:52
